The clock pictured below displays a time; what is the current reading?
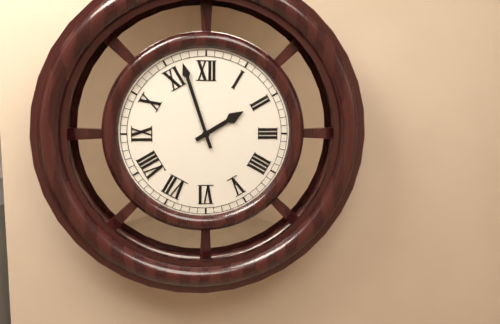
1:57
